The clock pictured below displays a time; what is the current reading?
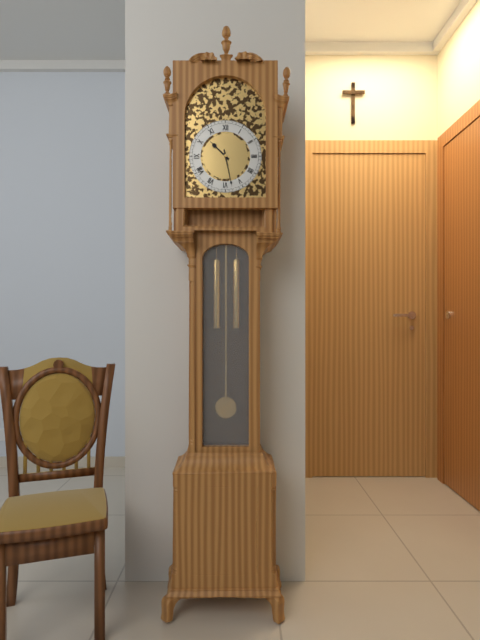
10:28
